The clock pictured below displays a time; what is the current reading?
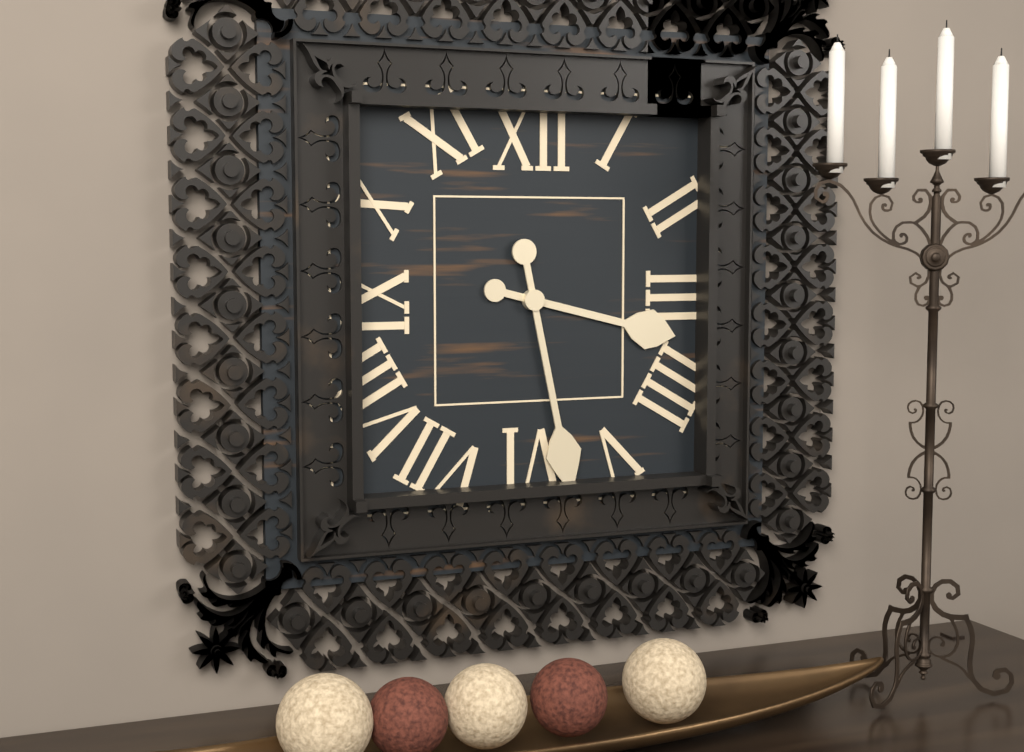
3:28
